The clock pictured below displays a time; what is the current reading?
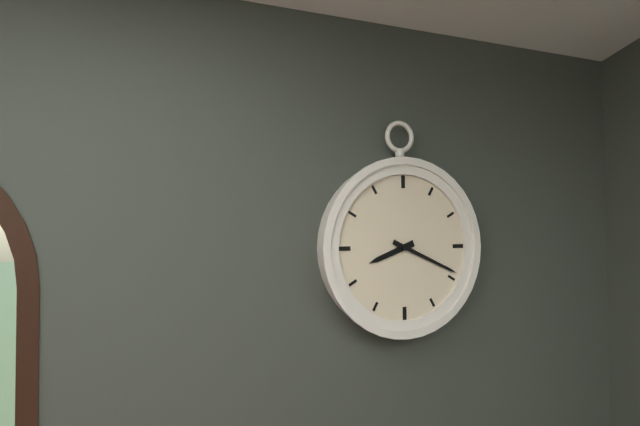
8:19
